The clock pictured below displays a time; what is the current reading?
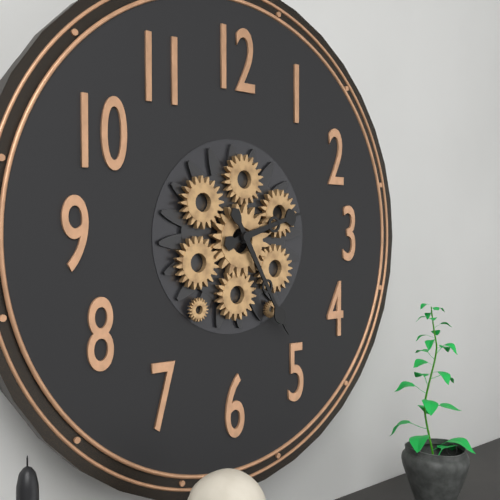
2:25
